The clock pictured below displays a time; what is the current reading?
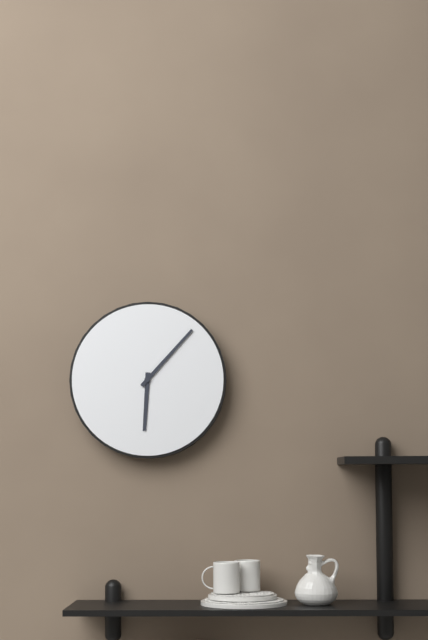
6:07
